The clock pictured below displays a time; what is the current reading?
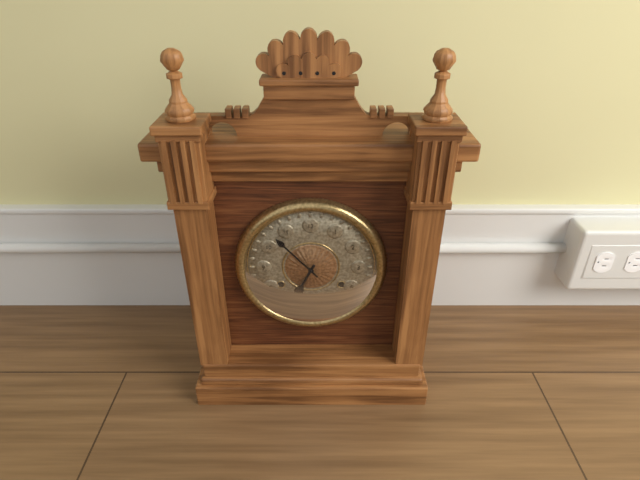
6:53
